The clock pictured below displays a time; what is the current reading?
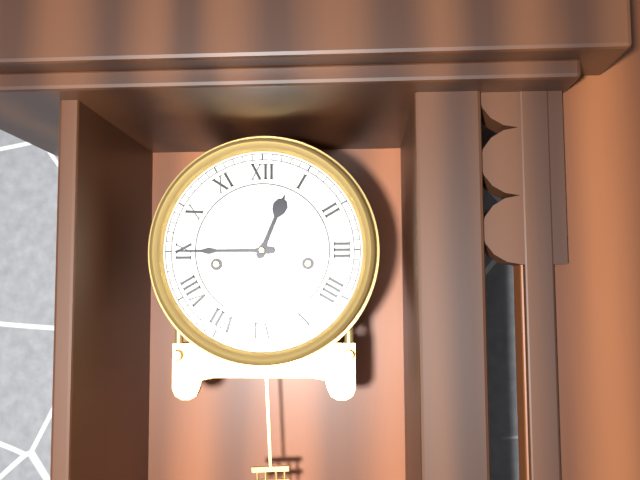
12:45
